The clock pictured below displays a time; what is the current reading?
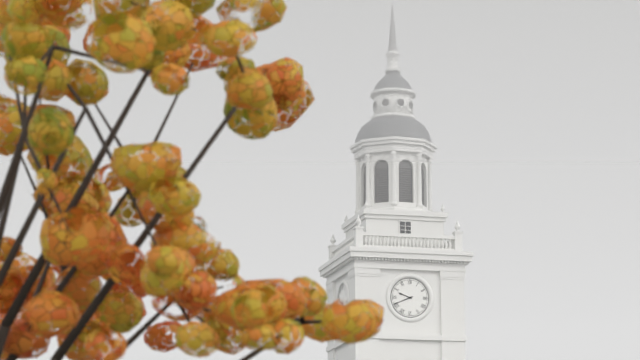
9:41
